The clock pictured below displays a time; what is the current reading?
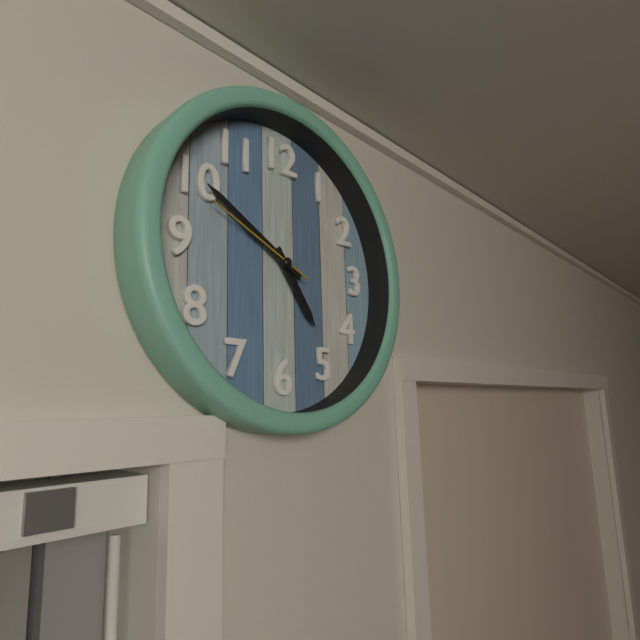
4:50:49
